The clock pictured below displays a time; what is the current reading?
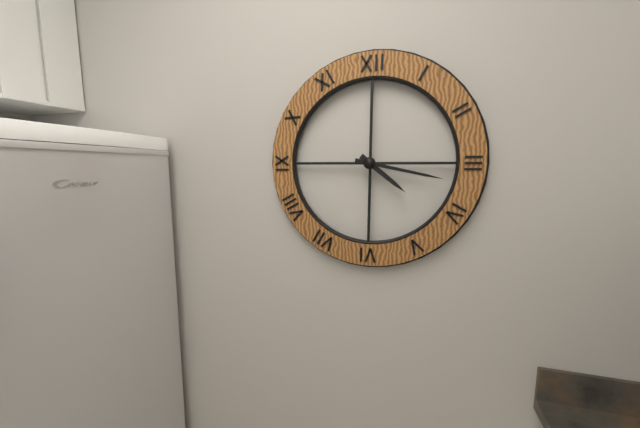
4:17
